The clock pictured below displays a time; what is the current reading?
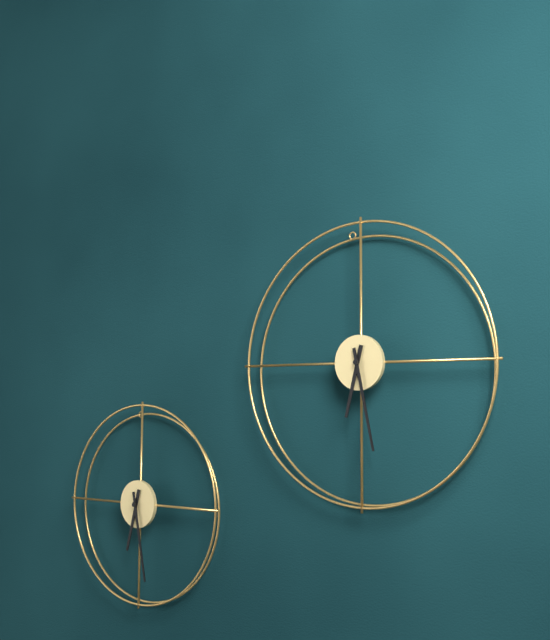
6:28
